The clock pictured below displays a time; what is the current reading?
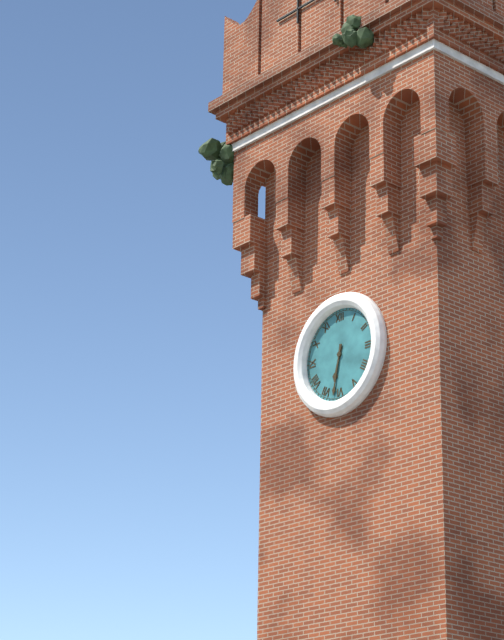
6:32
